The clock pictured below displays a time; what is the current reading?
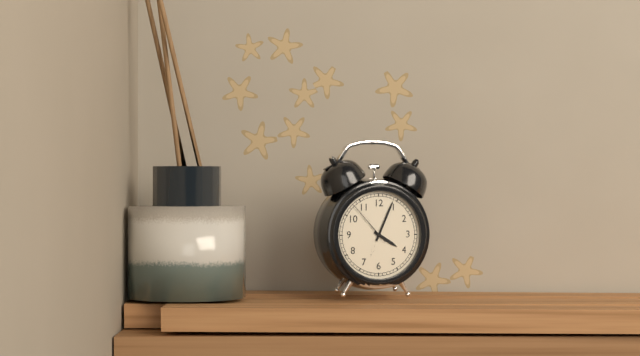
4:04
